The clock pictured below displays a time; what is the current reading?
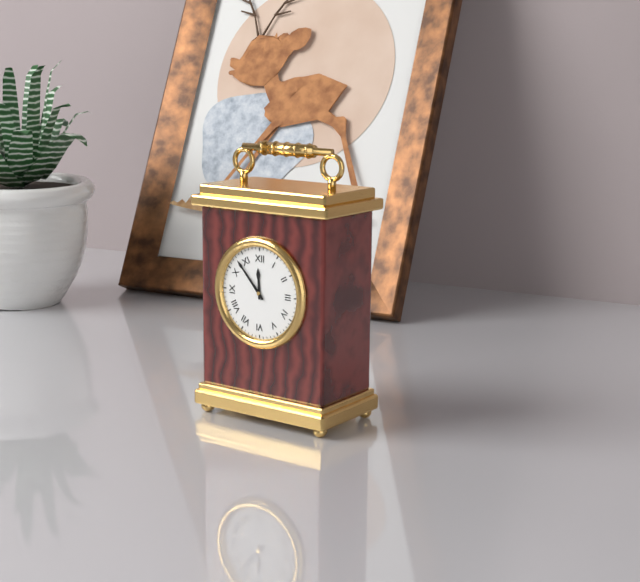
11:53
